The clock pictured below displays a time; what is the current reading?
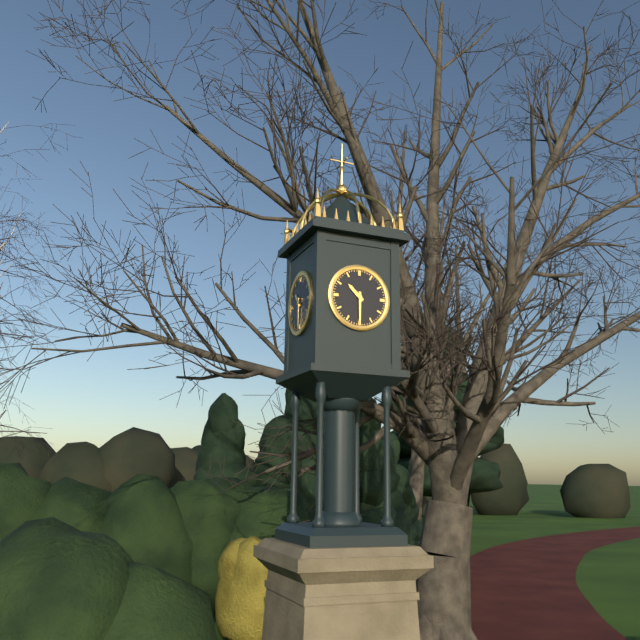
10:30
